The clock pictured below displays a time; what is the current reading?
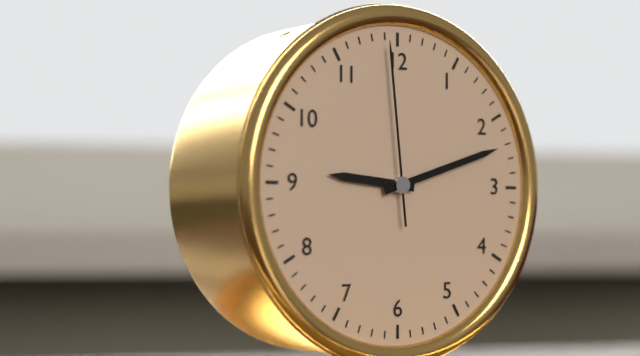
9:12:59
